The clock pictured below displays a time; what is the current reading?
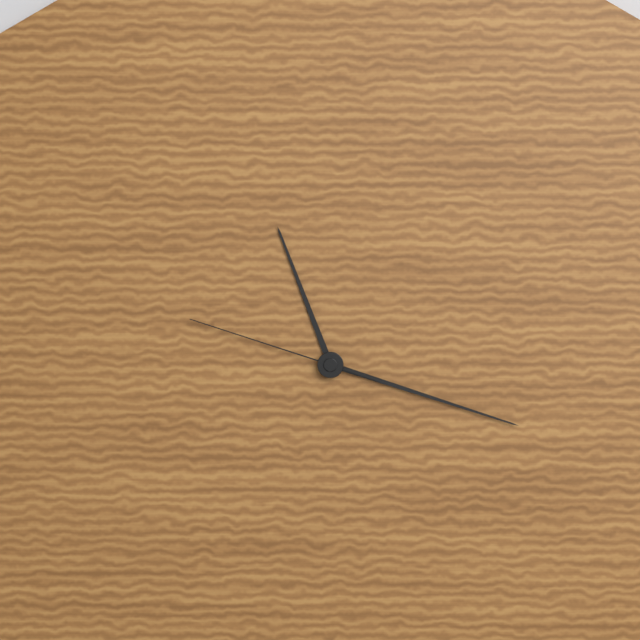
11:18:48
